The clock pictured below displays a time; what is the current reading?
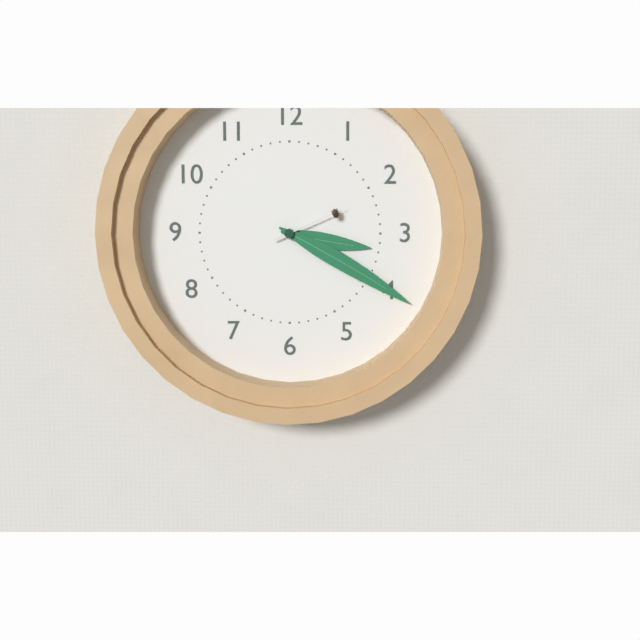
3:20:11
